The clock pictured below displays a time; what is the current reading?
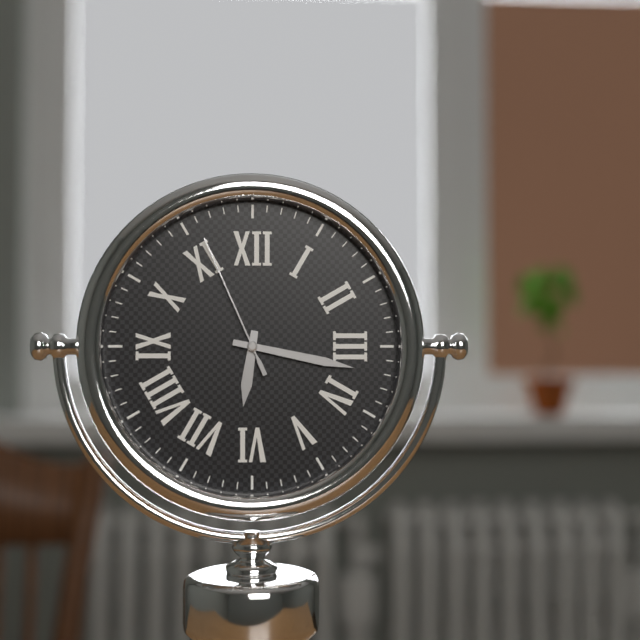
6:17:56
